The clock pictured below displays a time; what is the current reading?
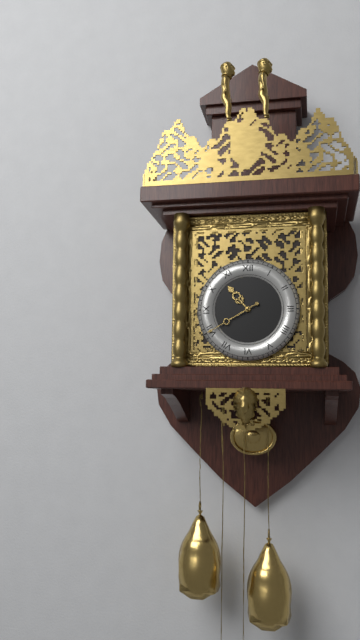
10:40
